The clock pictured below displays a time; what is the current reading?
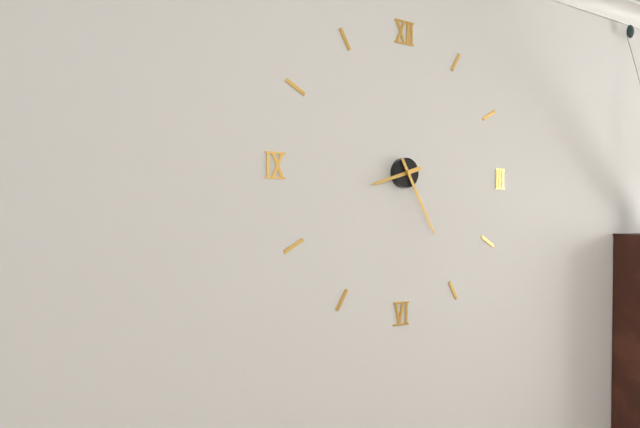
8:25
